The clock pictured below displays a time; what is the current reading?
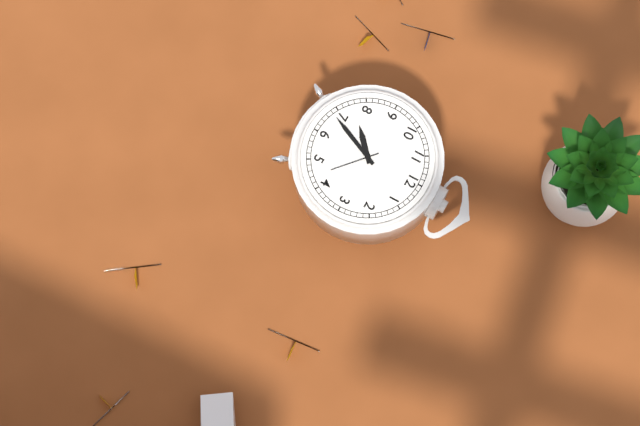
7:34
